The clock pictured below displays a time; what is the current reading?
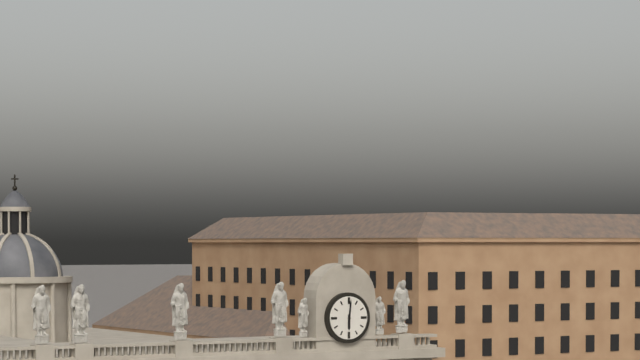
6:01
